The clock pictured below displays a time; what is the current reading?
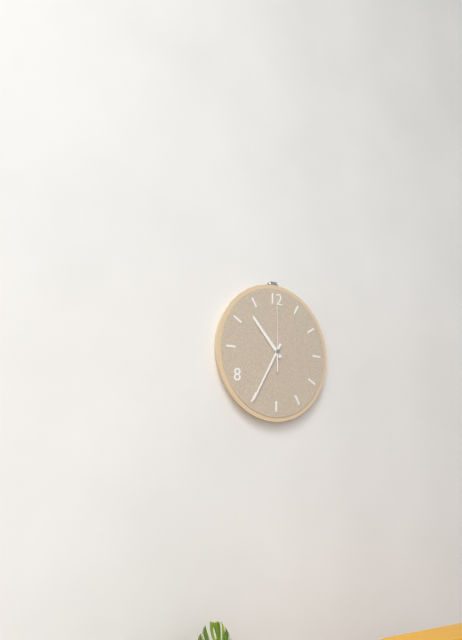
10:35:00
